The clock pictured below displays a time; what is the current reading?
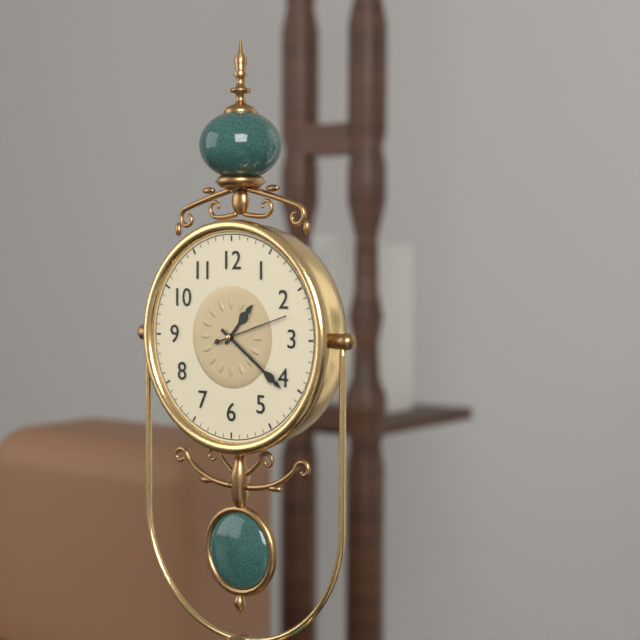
1:21:12
